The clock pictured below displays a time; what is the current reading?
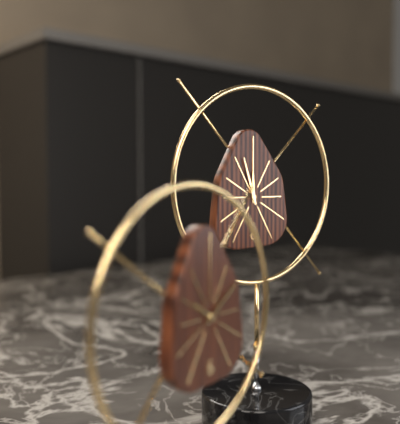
11:57
